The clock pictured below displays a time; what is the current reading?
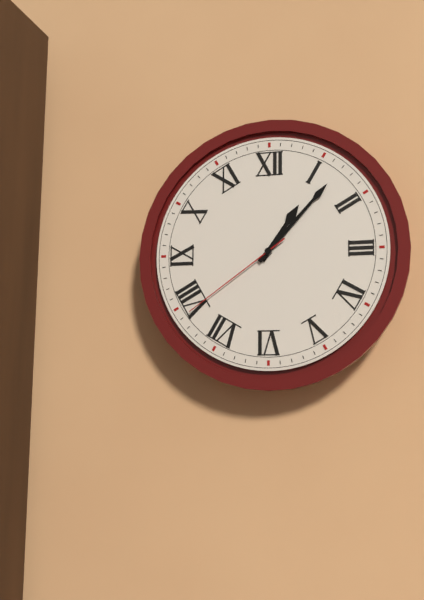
1:07:39
